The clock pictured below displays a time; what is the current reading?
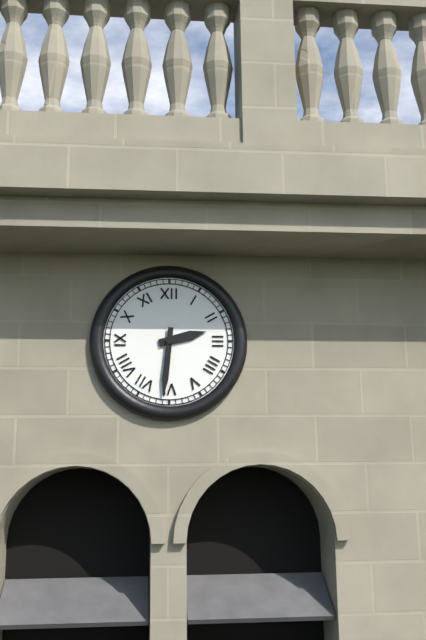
2:31
